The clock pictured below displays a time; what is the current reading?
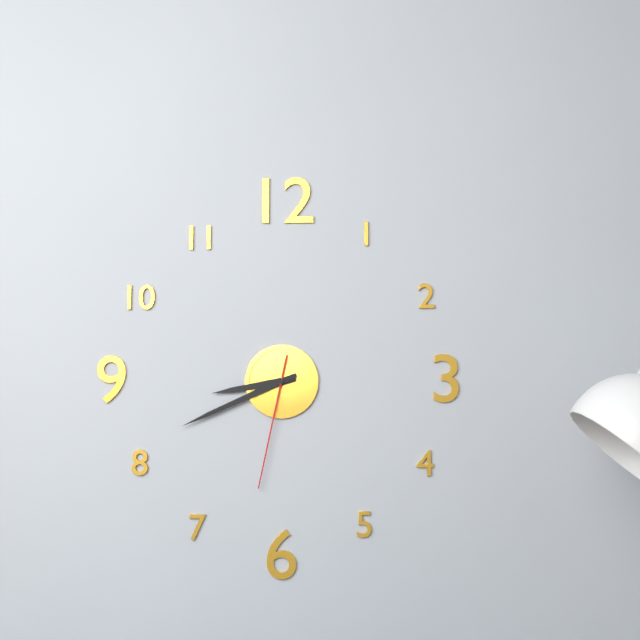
8:41:32
